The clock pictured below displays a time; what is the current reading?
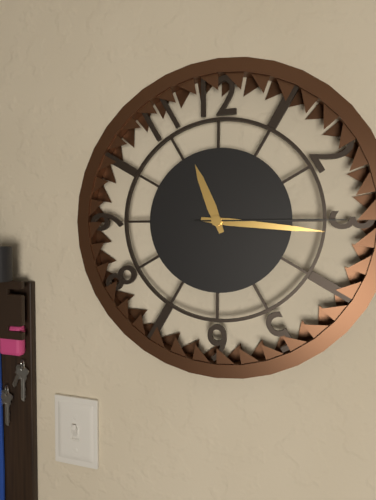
11:16:15
